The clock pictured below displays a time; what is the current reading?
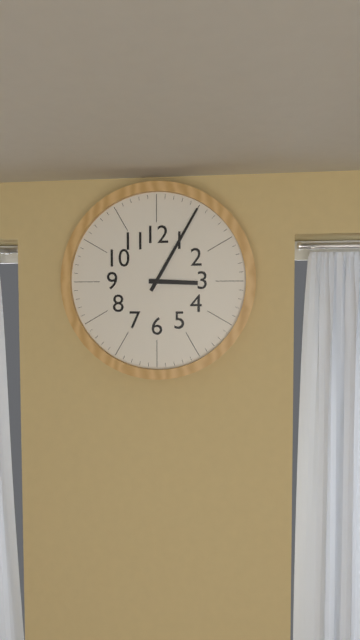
3:05
